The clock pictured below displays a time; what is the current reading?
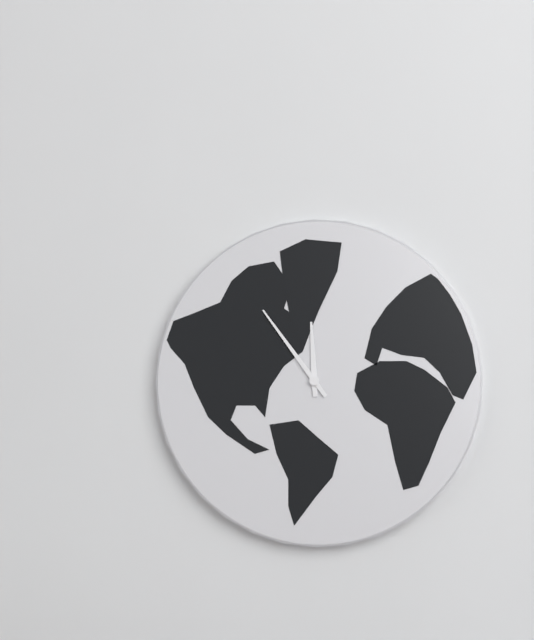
11:54
